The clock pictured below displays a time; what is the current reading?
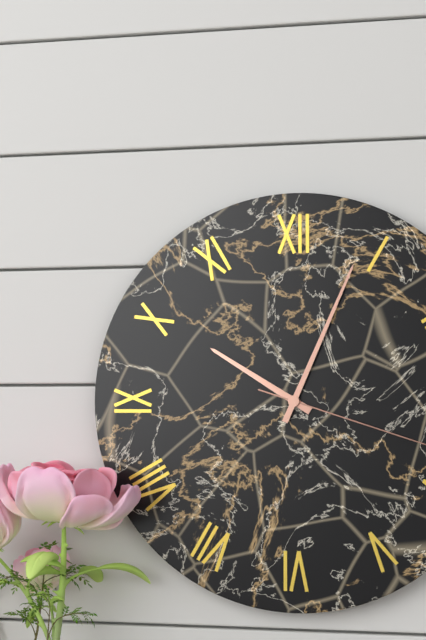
10:04
